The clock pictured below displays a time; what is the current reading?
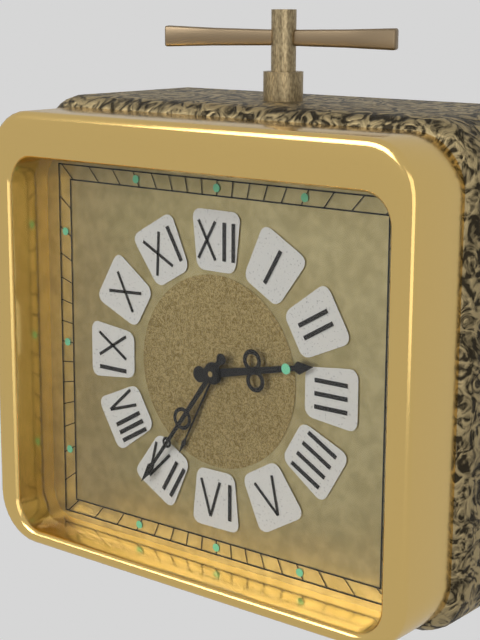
2:36
